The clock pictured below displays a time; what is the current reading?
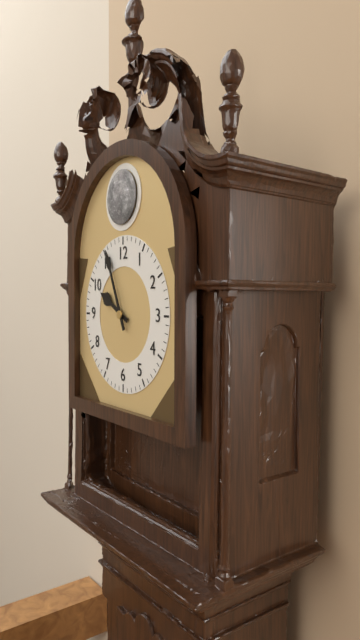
9:56
